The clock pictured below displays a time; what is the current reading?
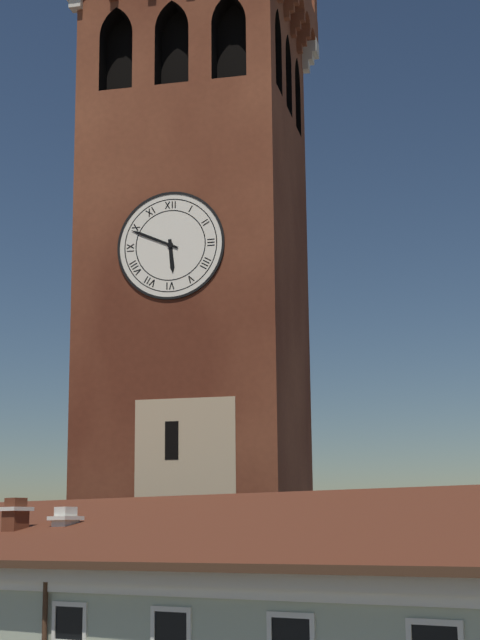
5:49
